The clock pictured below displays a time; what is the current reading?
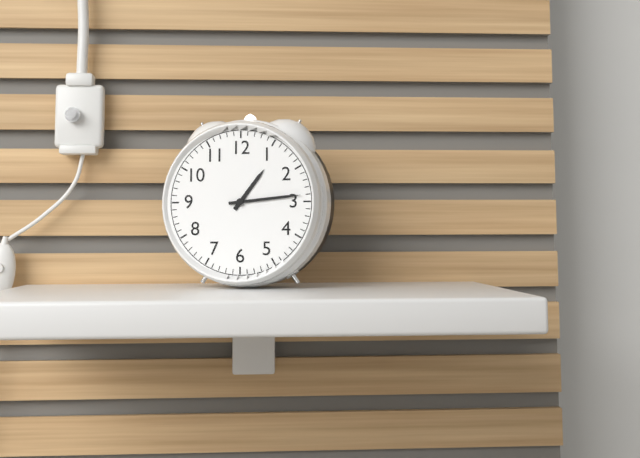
1:14
